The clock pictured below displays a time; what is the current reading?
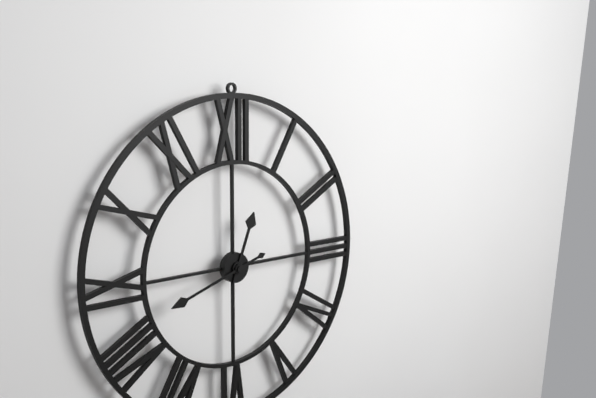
12:42
